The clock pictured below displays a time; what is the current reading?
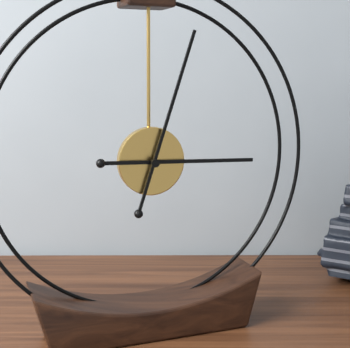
3:03
